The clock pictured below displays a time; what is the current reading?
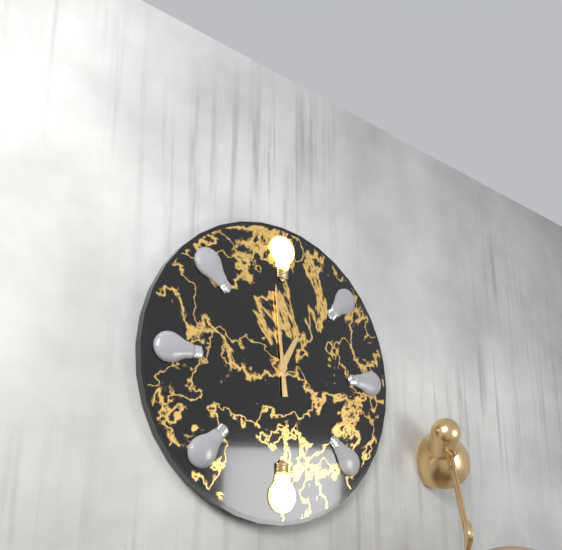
12:59
